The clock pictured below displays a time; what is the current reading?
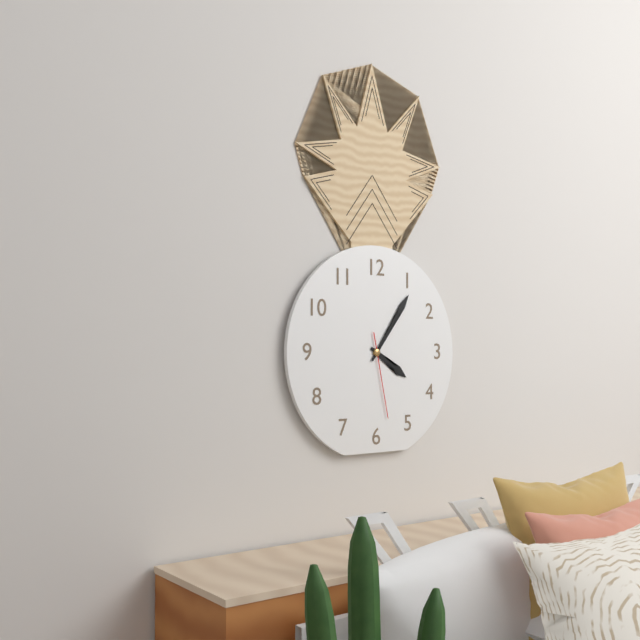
4:06:28
